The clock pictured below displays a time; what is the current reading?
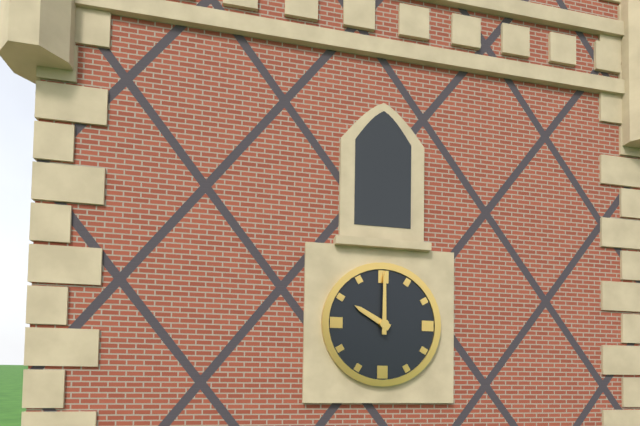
10:00
